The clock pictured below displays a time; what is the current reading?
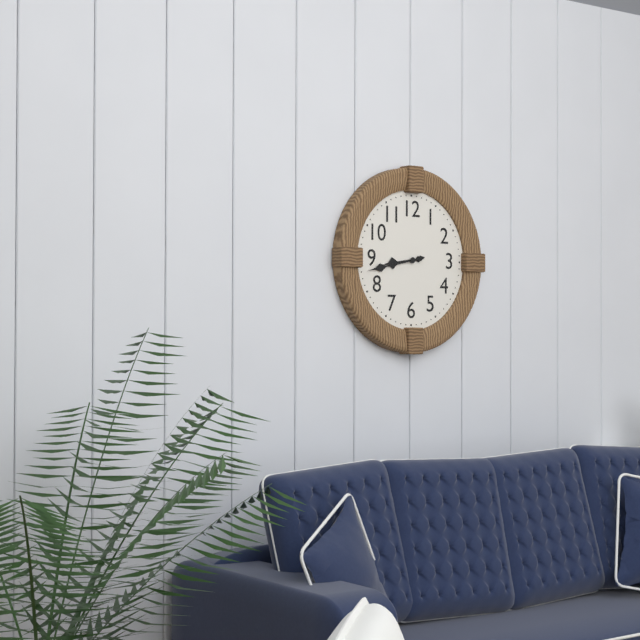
8:43
